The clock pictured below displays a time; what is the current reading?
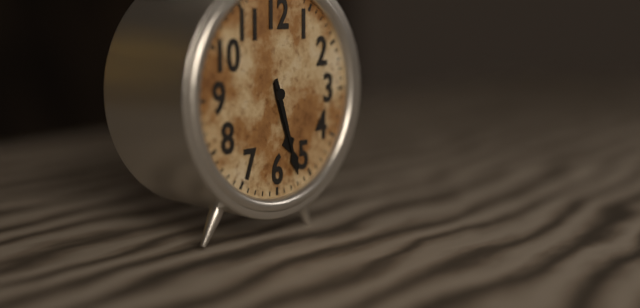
5:27
